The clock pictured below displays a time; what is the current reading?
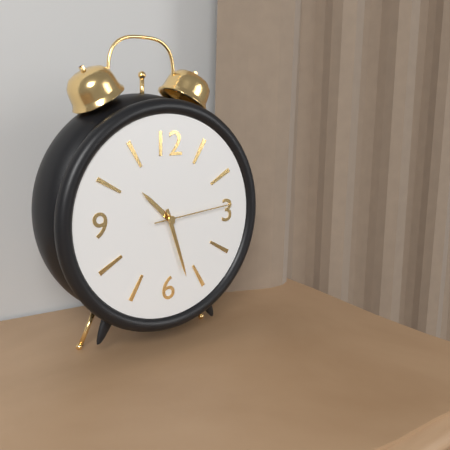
10:27:14
